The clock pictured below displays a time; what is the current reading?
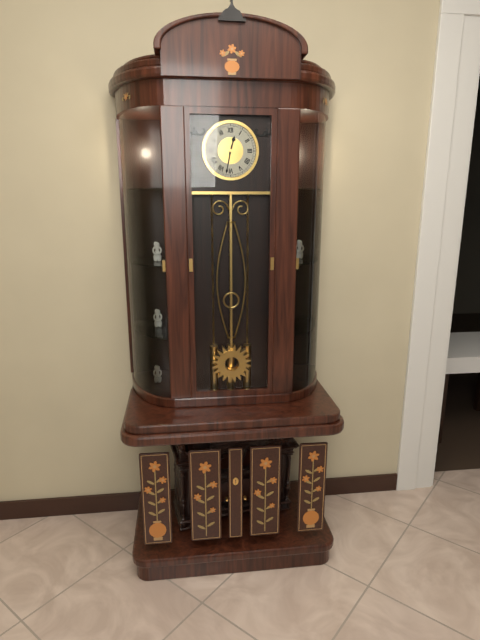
12:32
